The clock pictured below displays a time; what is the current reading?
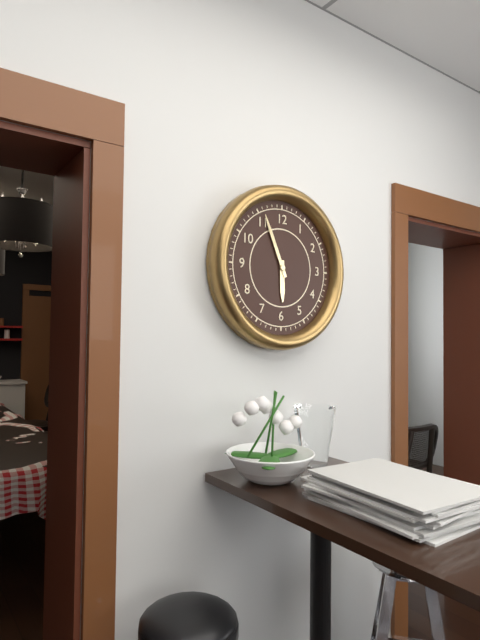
5:56
